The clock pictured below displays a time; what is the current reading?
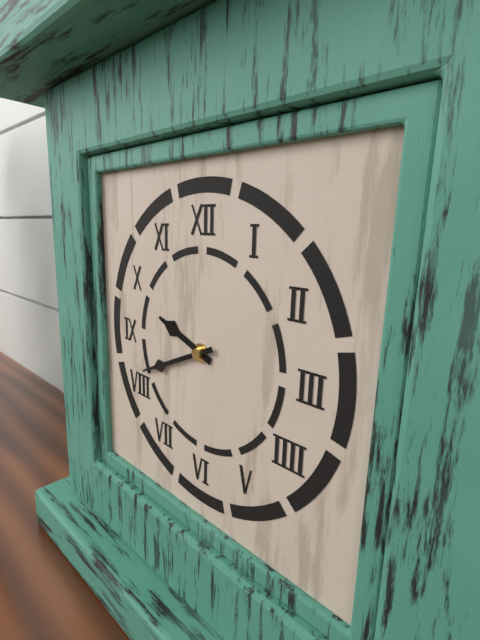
9:41
